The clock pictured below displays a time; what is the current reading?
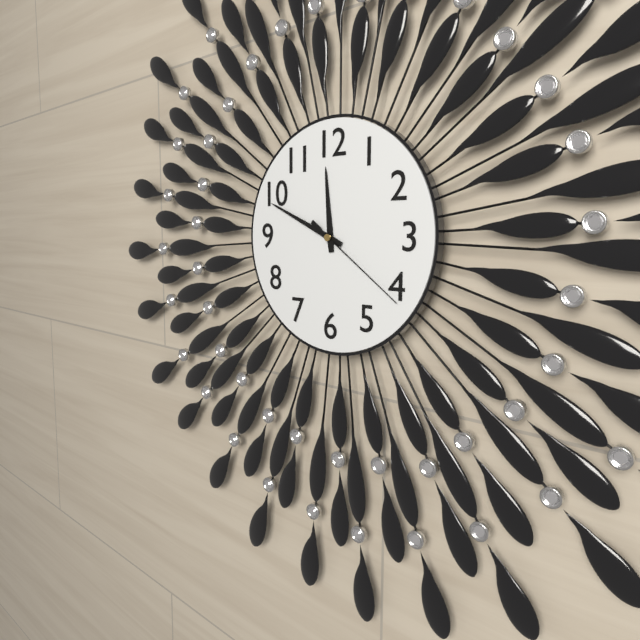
11:49:21
